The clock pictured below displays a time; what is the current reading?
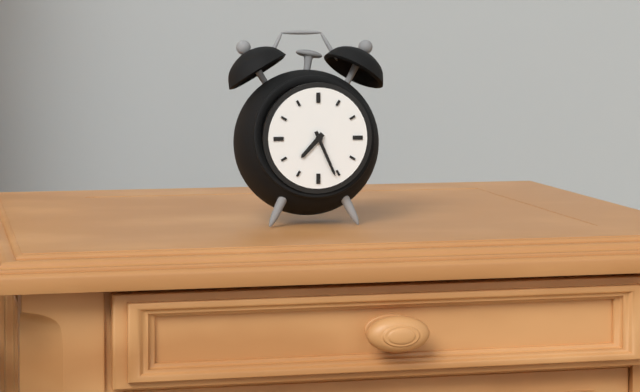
7:26
